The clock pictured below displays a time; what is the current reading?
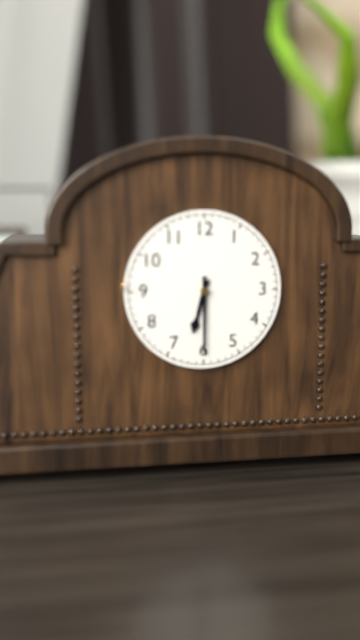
6:30
